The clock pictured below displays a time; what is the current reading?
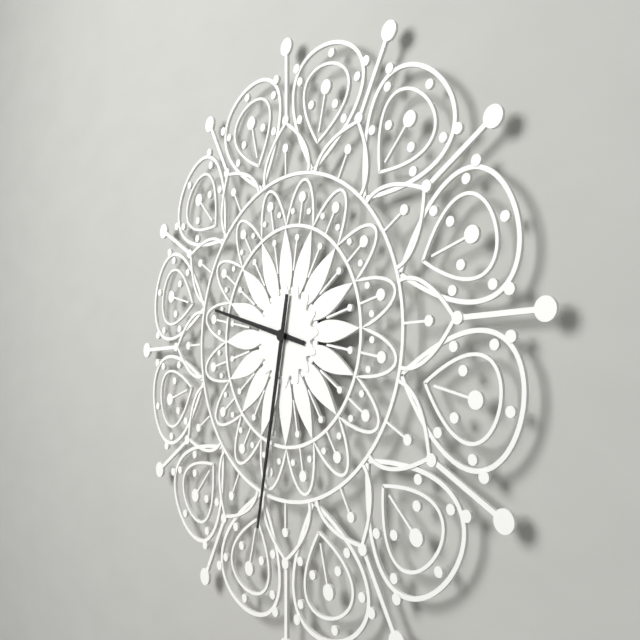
9:32
